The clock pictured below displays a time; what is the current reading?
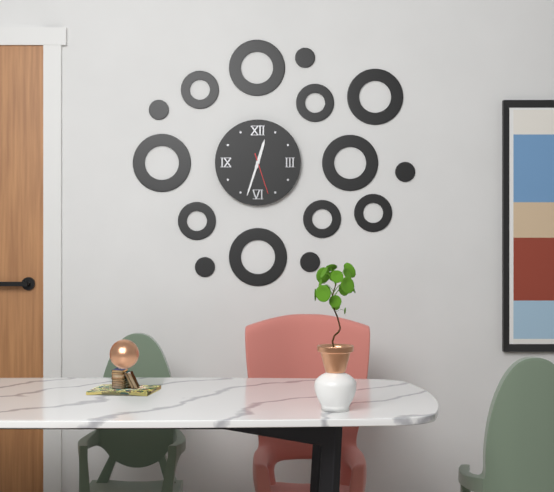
12:33
